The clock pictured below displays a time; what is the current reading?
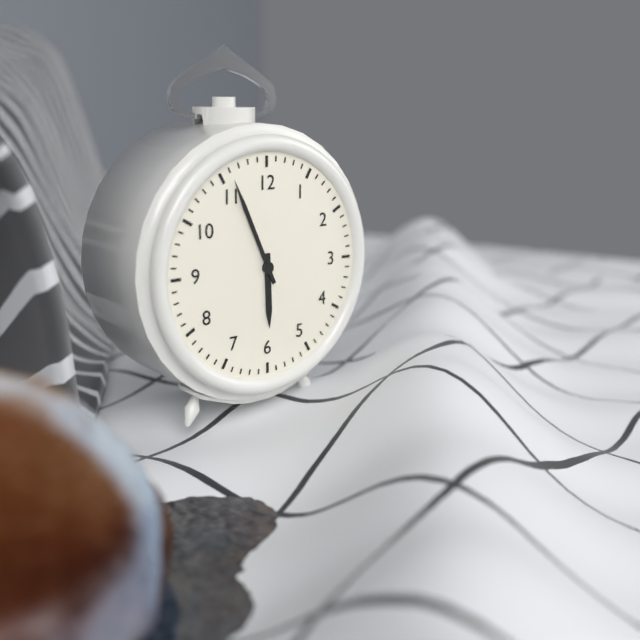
5:56
